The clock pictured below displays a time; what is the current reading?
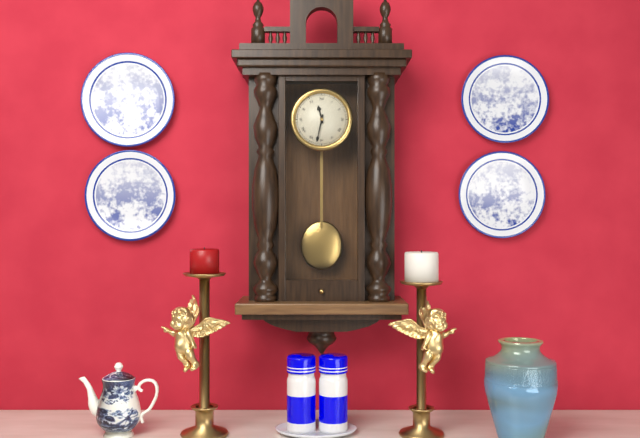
11:32
